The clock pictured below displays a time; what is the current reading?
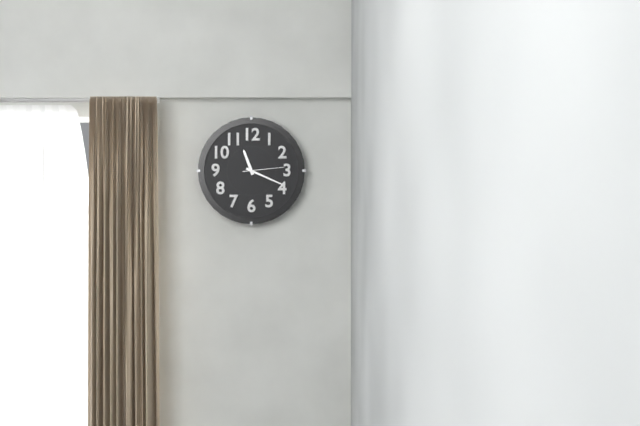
11:19
